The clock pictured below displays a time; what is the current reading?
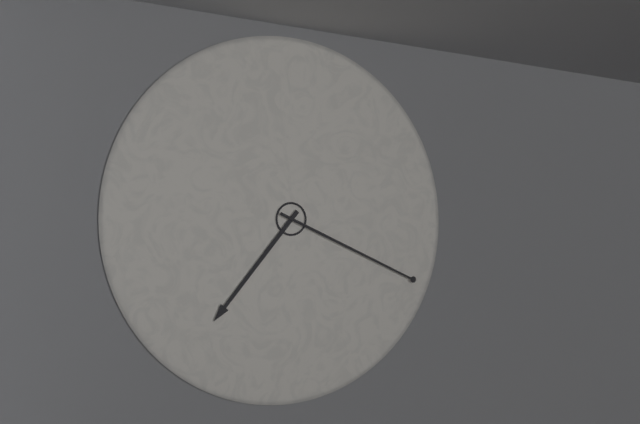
7:19
